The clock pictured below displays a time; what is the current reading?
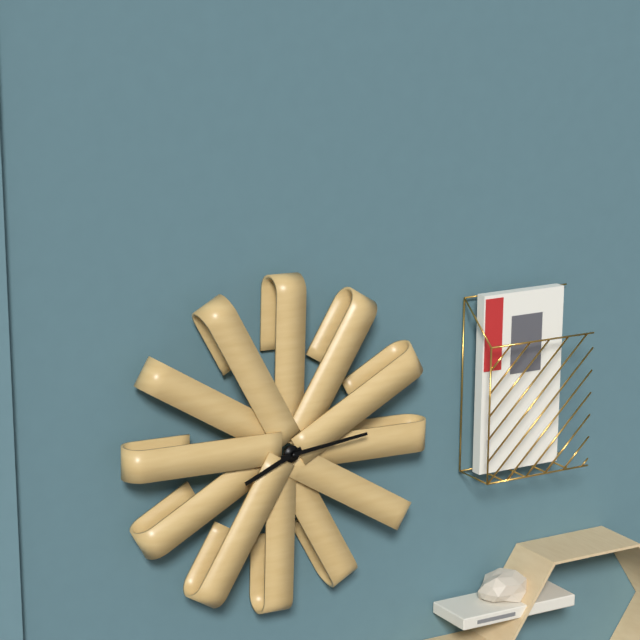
8:14
